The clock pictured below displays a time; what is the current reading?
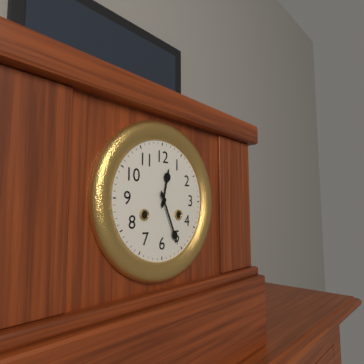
12:26
